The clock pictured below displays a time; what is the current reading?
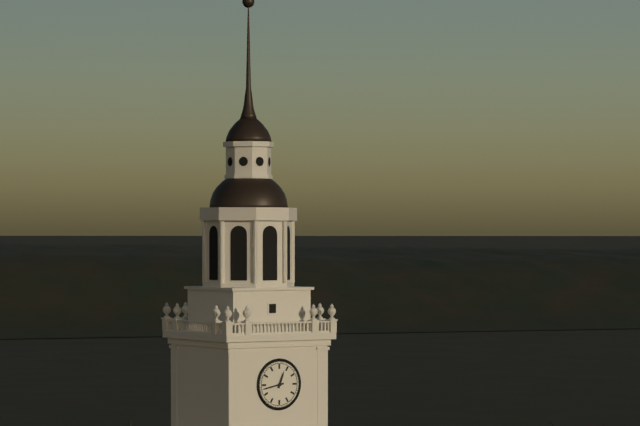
12:43
